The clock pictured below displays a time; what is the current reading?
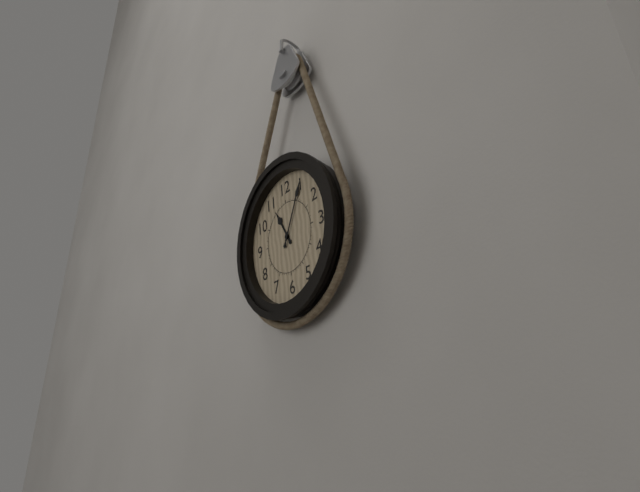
11:05
